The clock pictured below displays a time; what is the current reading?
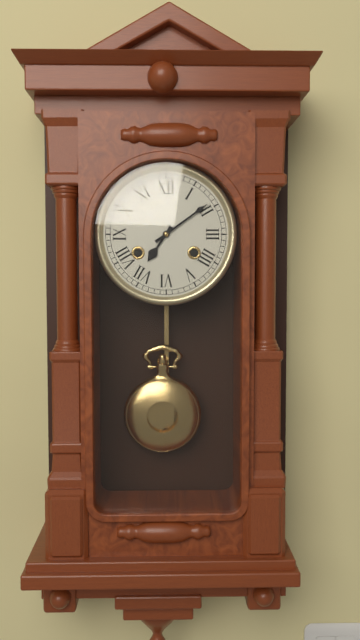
7:09
